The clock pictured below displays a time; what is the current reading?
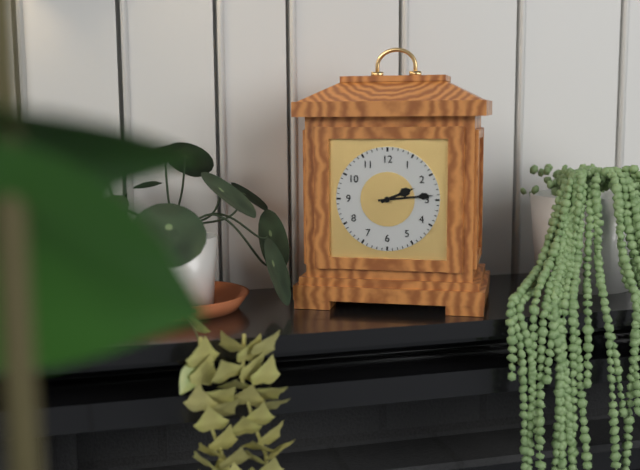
2:14
